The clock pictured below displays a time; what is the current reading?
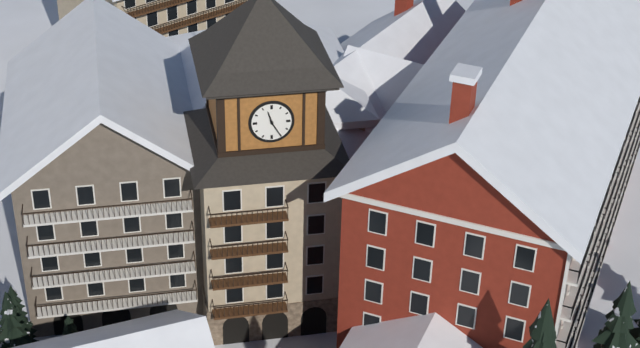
11:25
